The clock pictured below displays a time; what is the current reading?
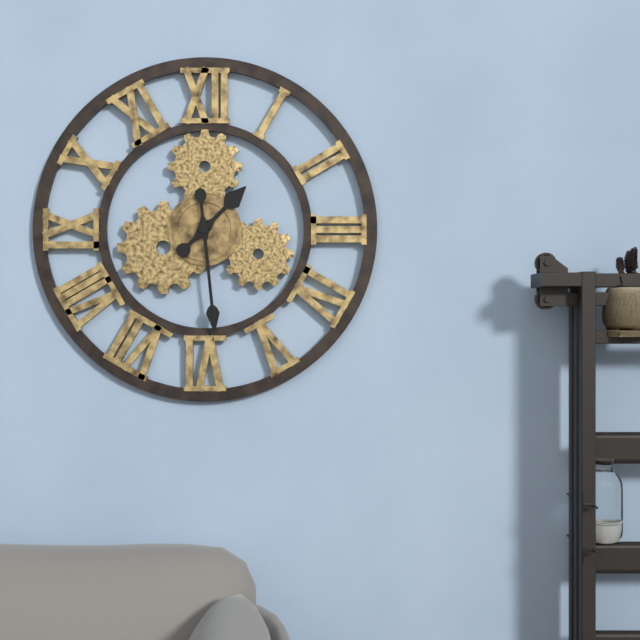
1:29
